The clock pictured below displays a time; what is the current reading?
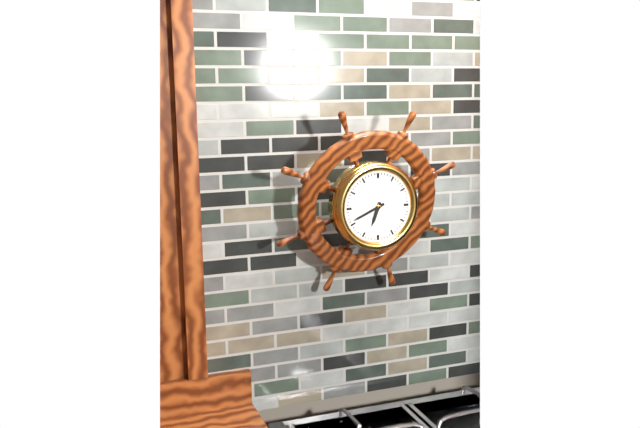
6:41
